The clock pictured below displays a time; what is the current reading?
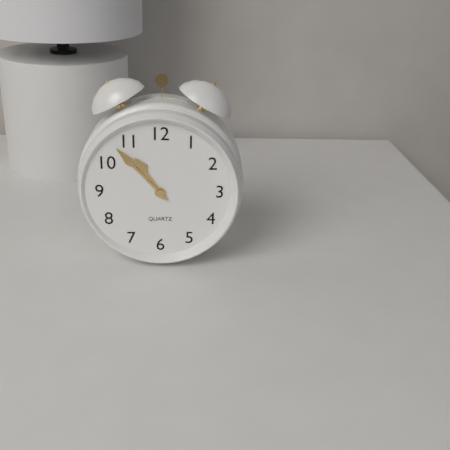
10:53
